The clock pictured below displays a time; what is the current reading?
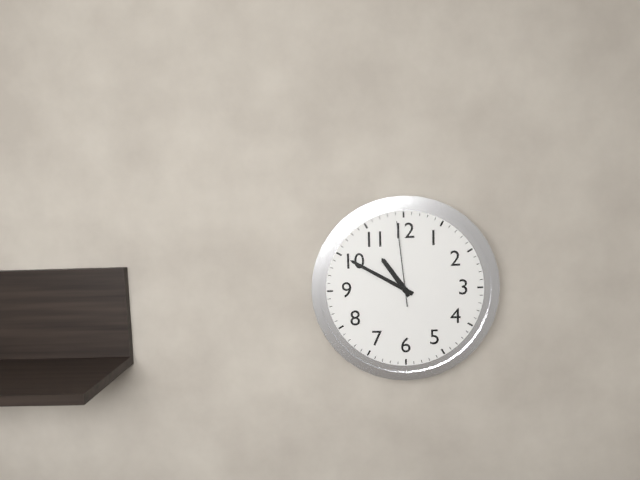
10:50:59
